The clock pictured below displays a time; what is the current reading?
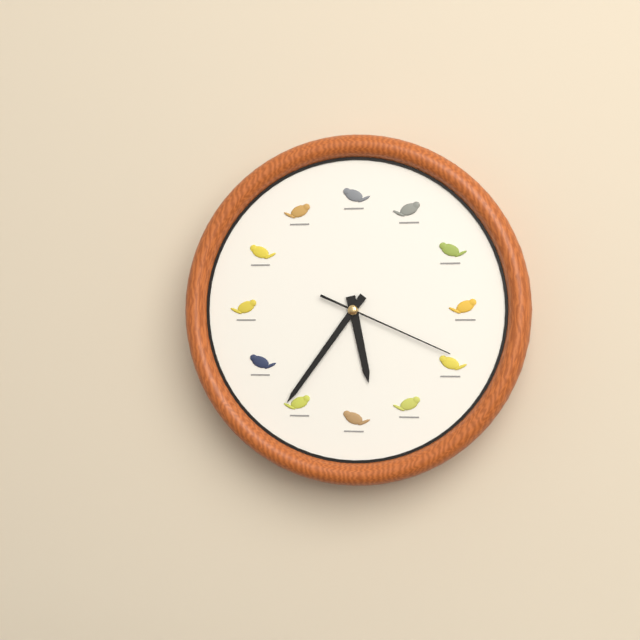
5:36:19
